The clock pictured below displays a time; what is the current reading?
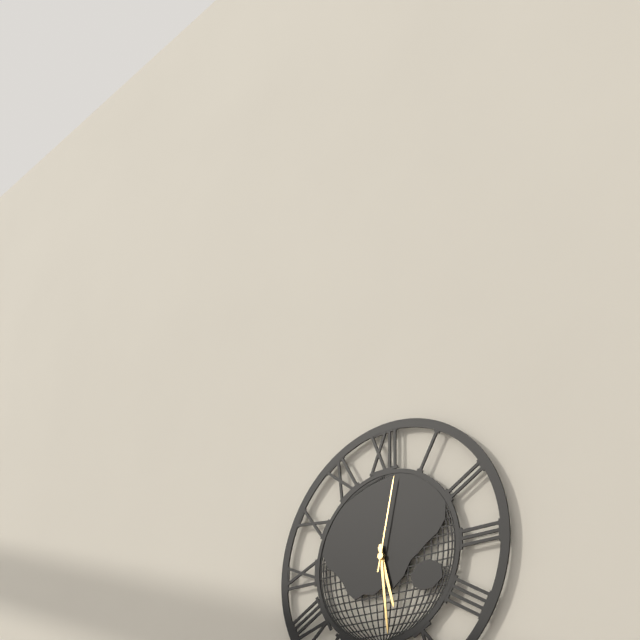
5:29:02
